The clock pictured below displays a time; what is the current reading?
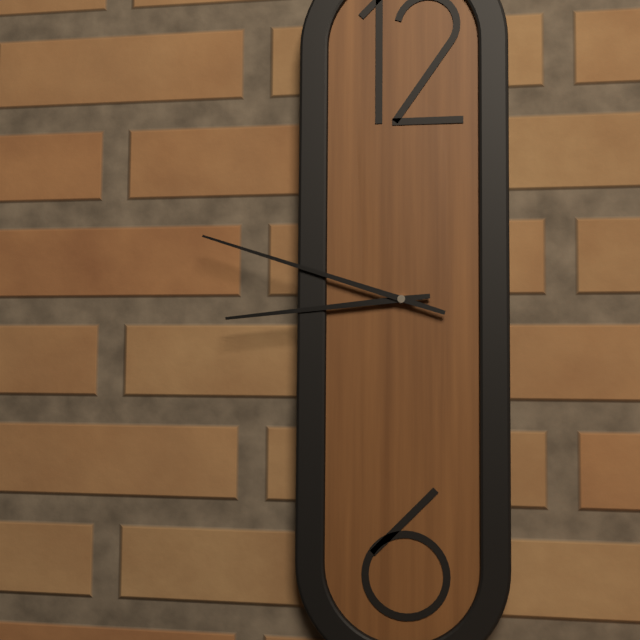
8:48
